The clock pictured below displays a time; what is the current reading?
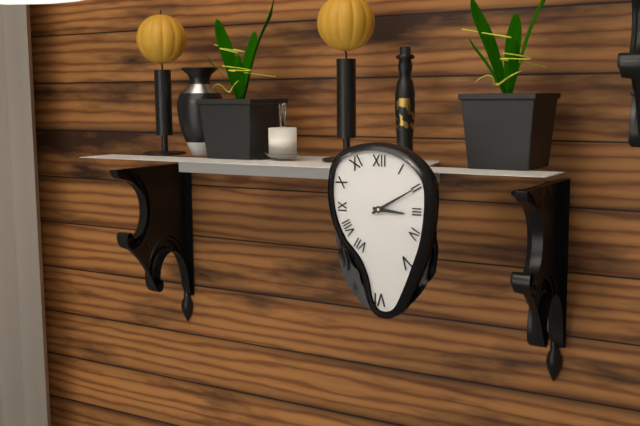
3:10
